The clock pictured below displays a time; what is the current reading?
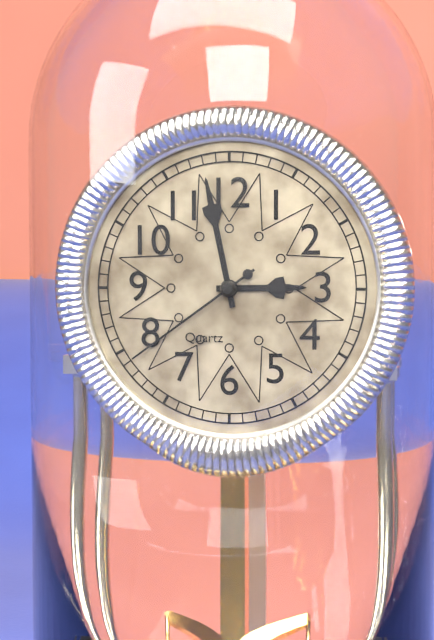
2:58:39
